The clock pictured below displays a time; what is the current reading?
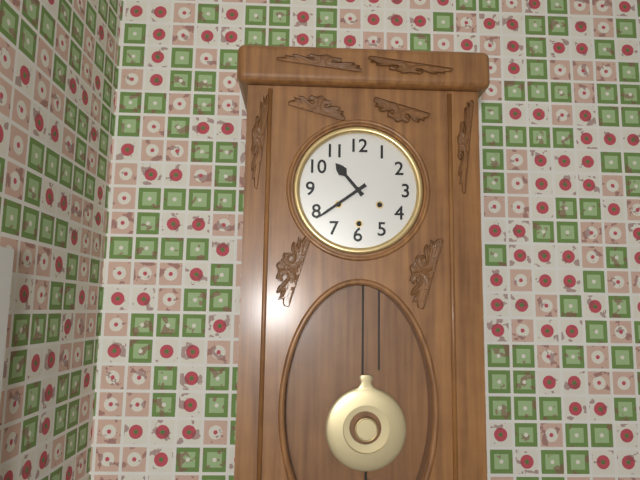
10:39
